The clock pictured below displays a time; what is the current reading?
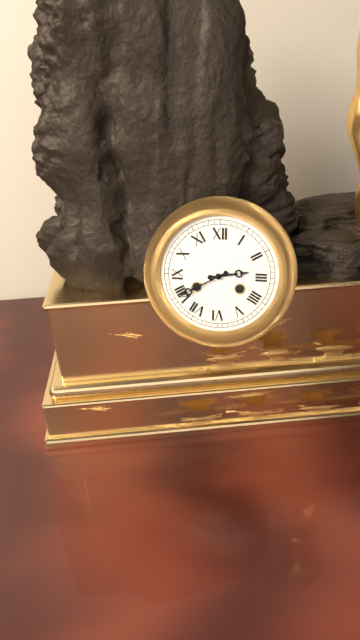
2:40
